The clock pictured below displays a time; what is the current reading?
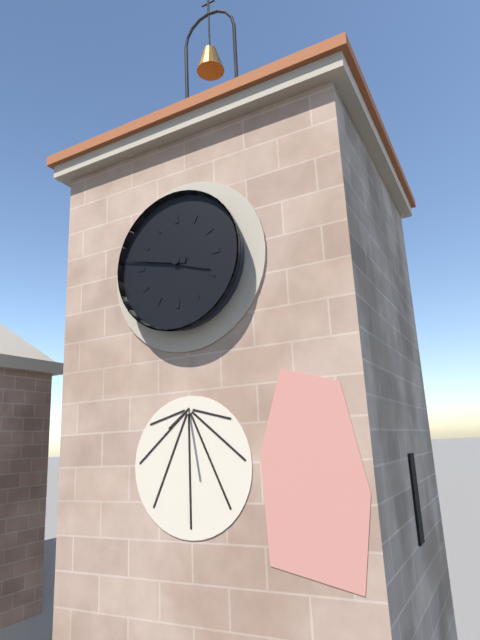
3:47
